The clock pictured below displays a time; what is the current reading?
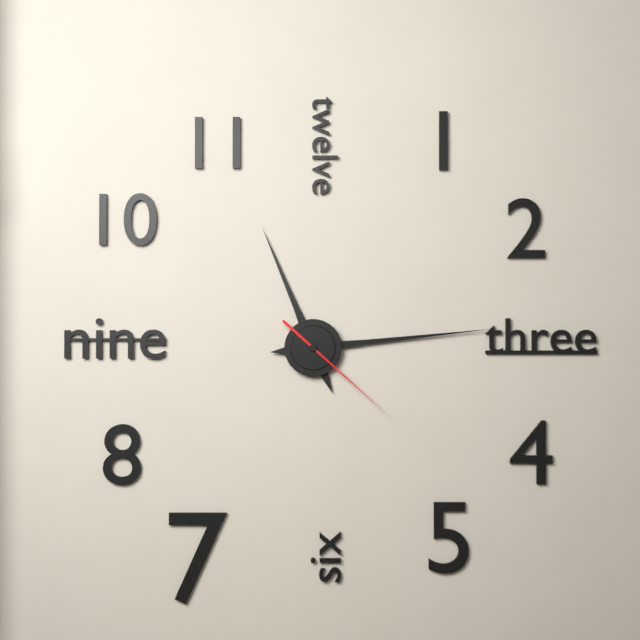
11:14:22
